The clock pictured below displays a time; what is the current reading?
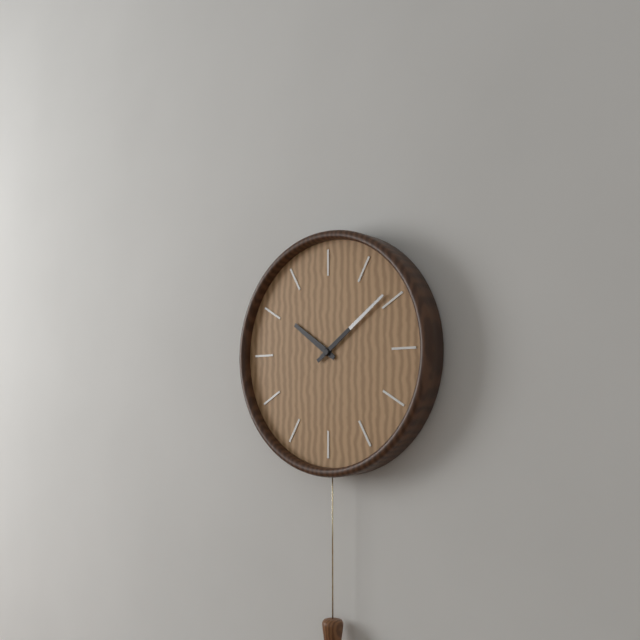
10:09
